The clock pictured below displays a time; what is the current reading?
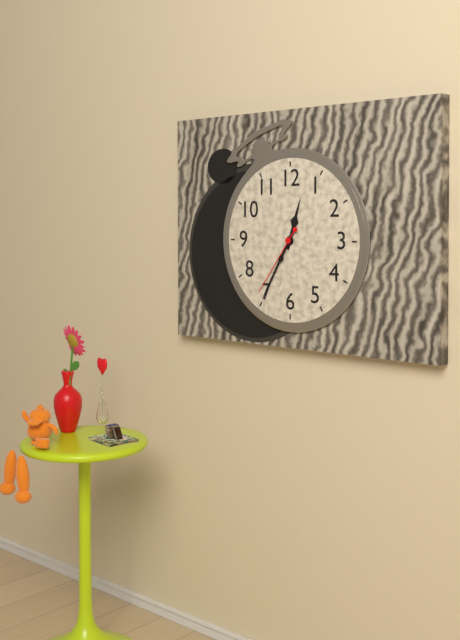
12:35:36
